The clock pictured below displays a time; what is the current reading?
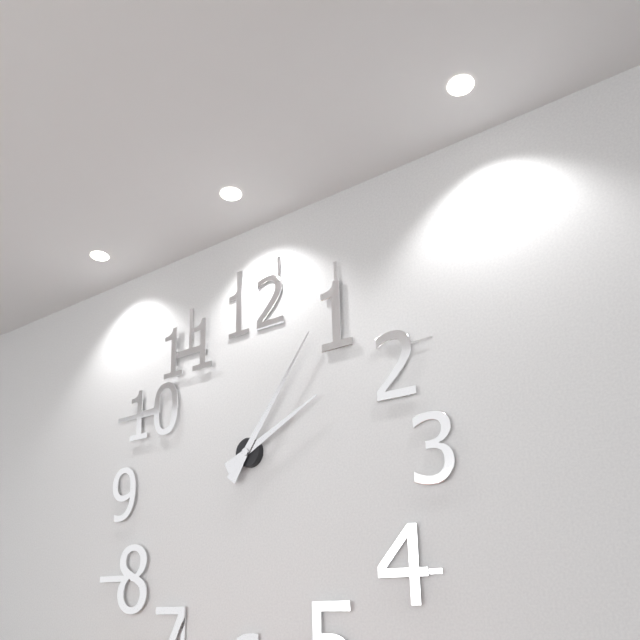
2:06
